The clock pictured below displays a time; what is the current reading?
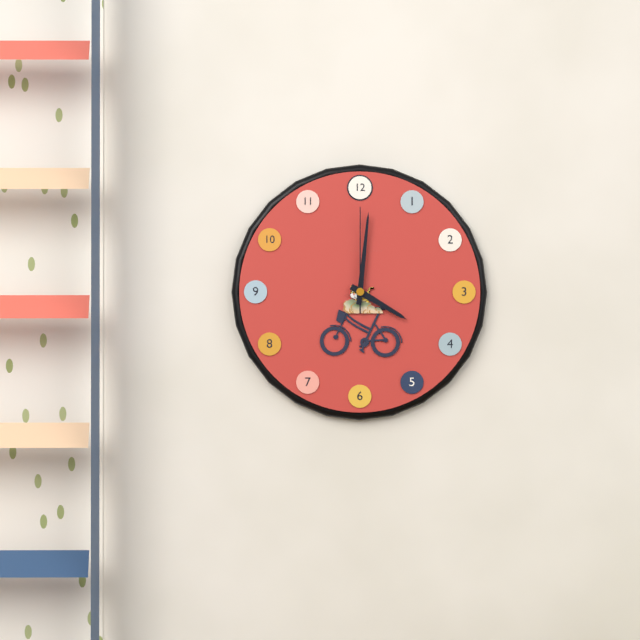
4:01:00
